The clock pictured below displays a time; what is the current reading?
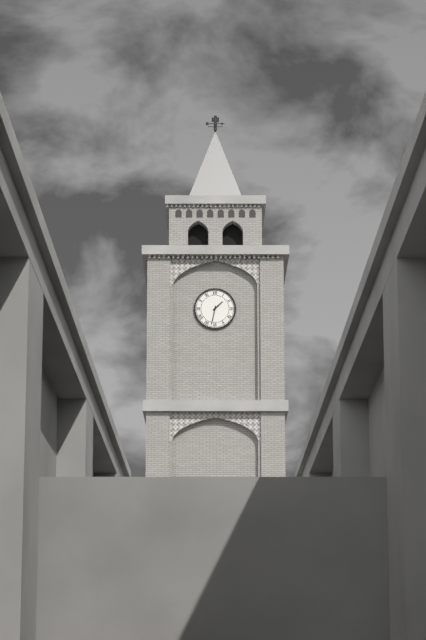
1:32
